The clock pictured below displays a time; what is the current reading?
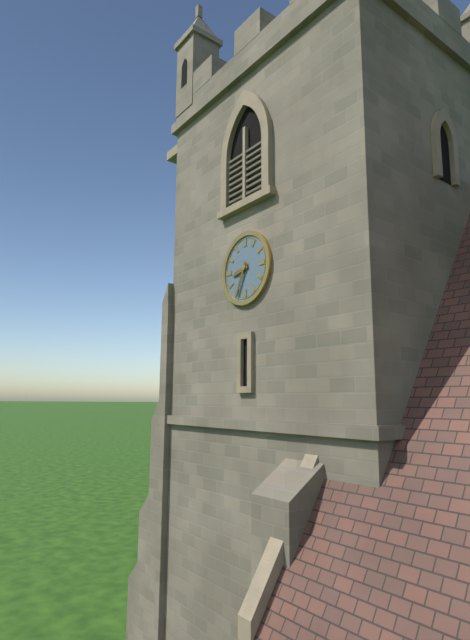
8:34
